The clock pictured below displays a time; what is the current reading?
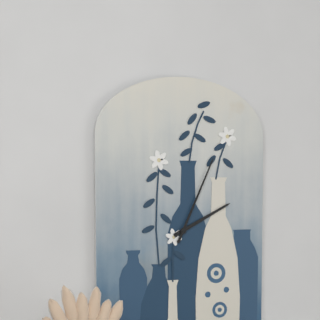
2:04
